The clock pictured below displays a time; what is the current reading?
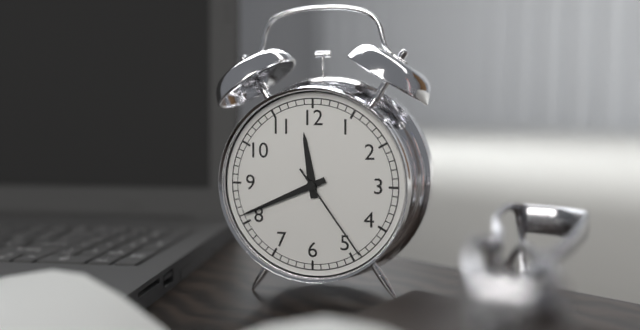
11:41:24
